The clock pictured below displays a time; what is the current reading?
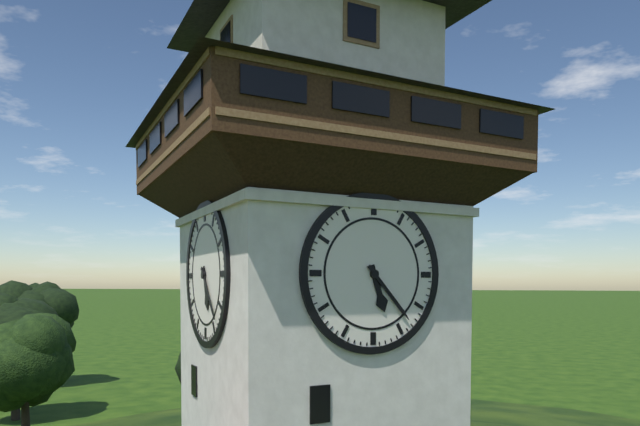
5:23
